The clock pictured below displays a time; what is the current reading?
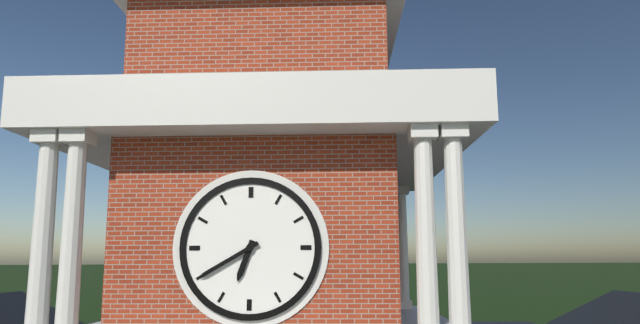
6:40
